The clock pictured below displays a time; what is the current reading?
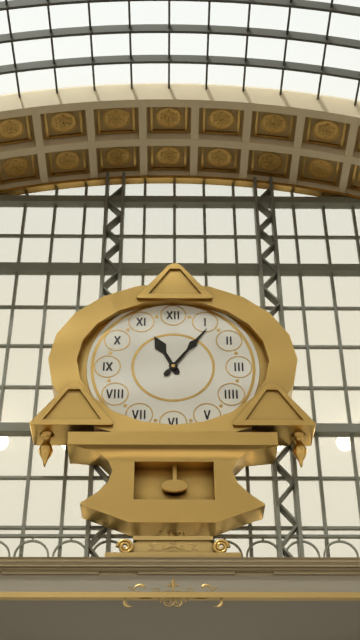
11:06
